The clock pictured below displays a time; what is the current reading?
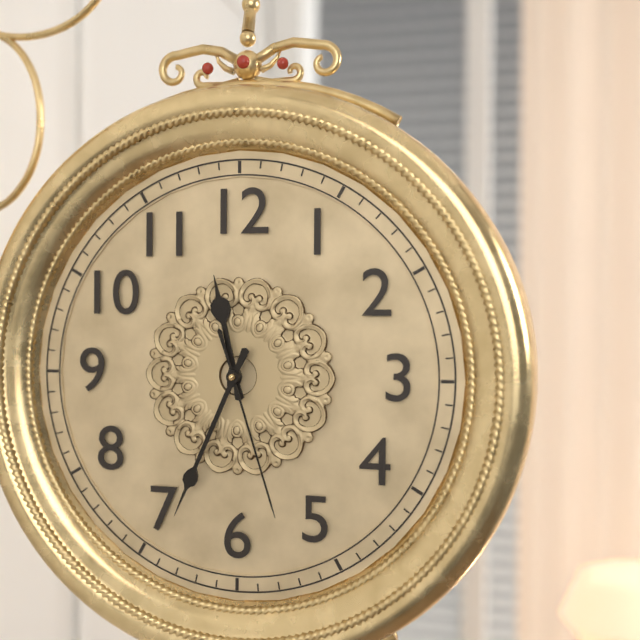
11:34:27
